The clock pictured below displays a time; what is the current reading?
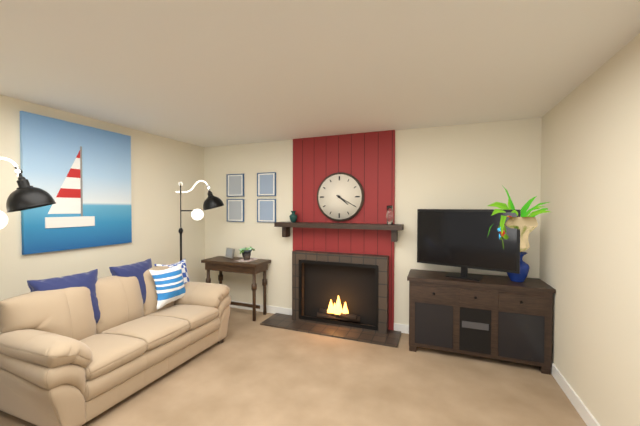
4:20
